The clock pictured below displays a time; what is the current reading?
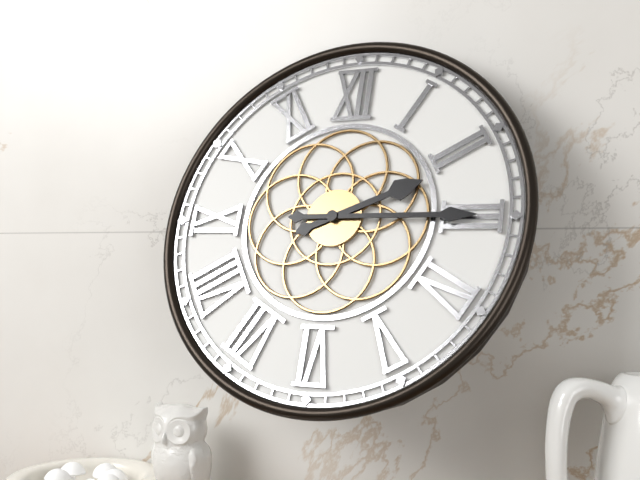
2:15
